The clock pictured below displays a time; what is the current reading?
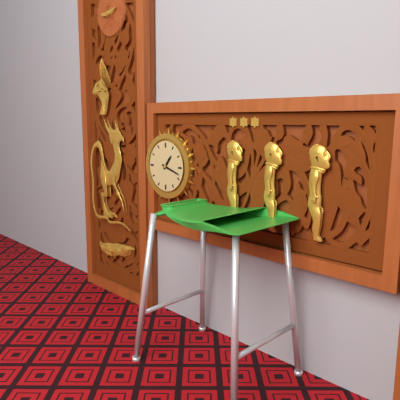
1:18
